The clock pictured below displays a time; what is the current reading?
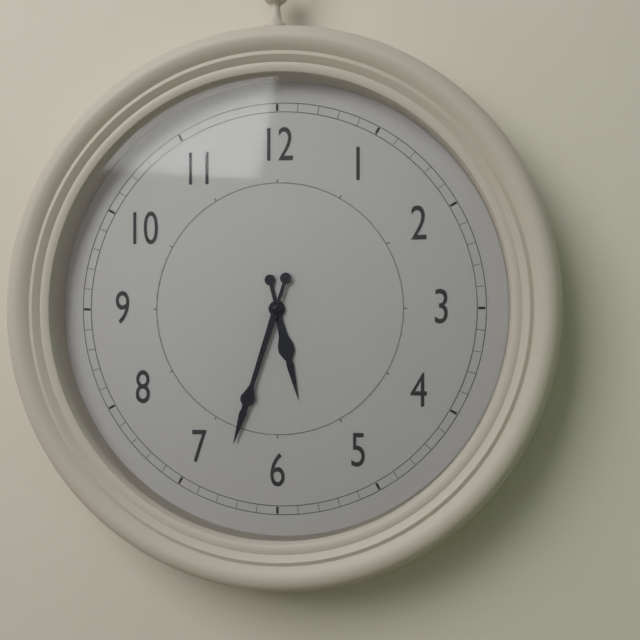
5:33
